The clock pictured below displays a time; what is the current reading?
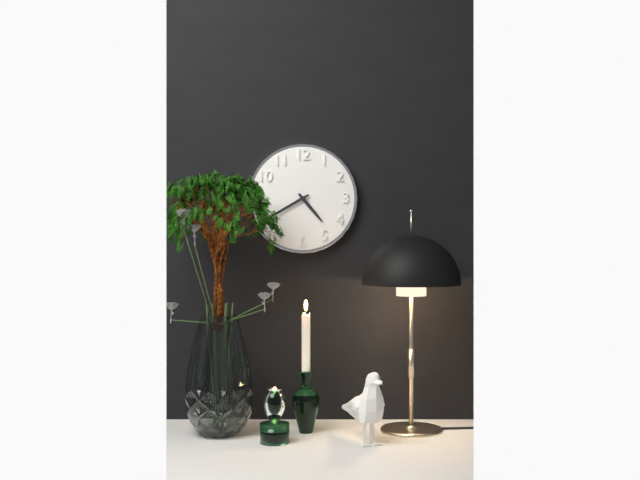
4:40
